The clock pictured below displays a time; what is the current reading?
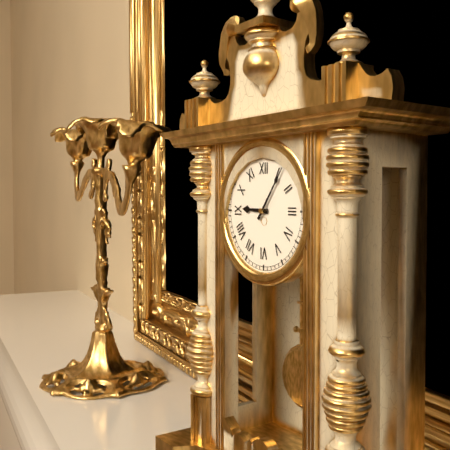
9:06
